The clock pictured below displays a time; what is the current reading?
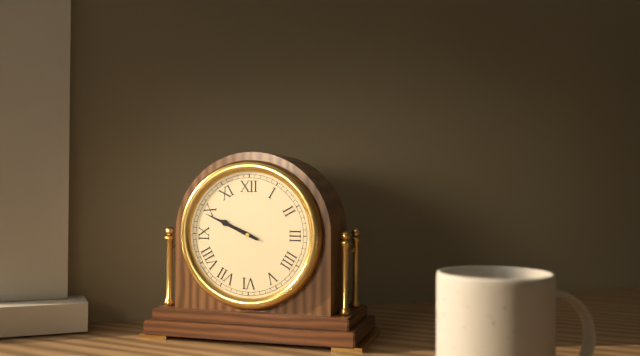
9:49
